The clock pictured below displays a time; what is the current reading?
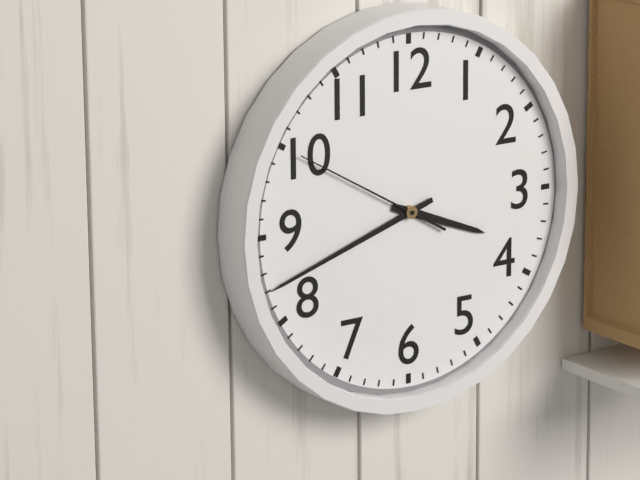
3:42:50
